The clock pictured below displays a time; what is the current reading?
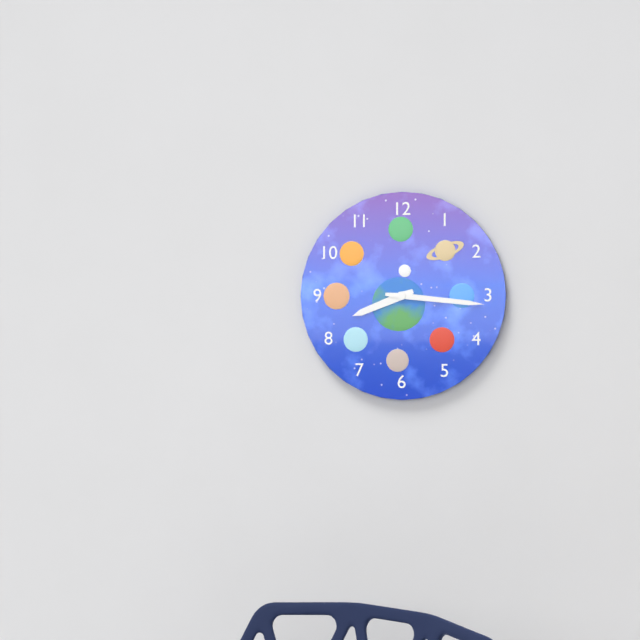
8:16
